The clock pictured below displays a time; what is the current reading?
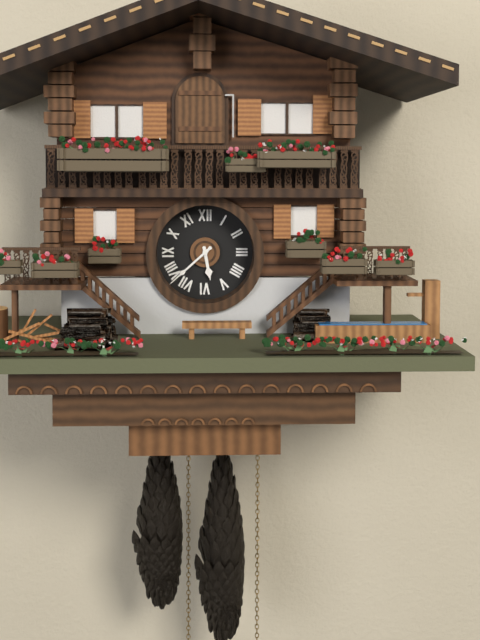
5:38
